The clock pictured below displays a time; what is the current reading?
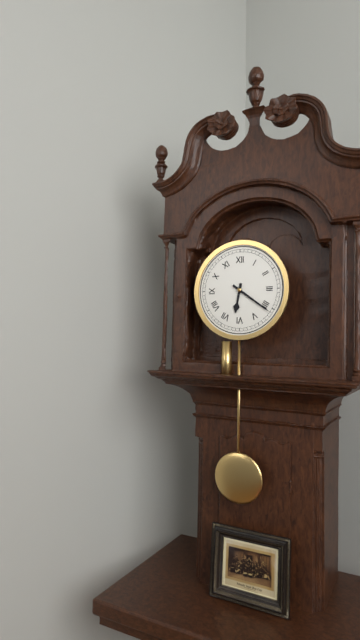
6:21
